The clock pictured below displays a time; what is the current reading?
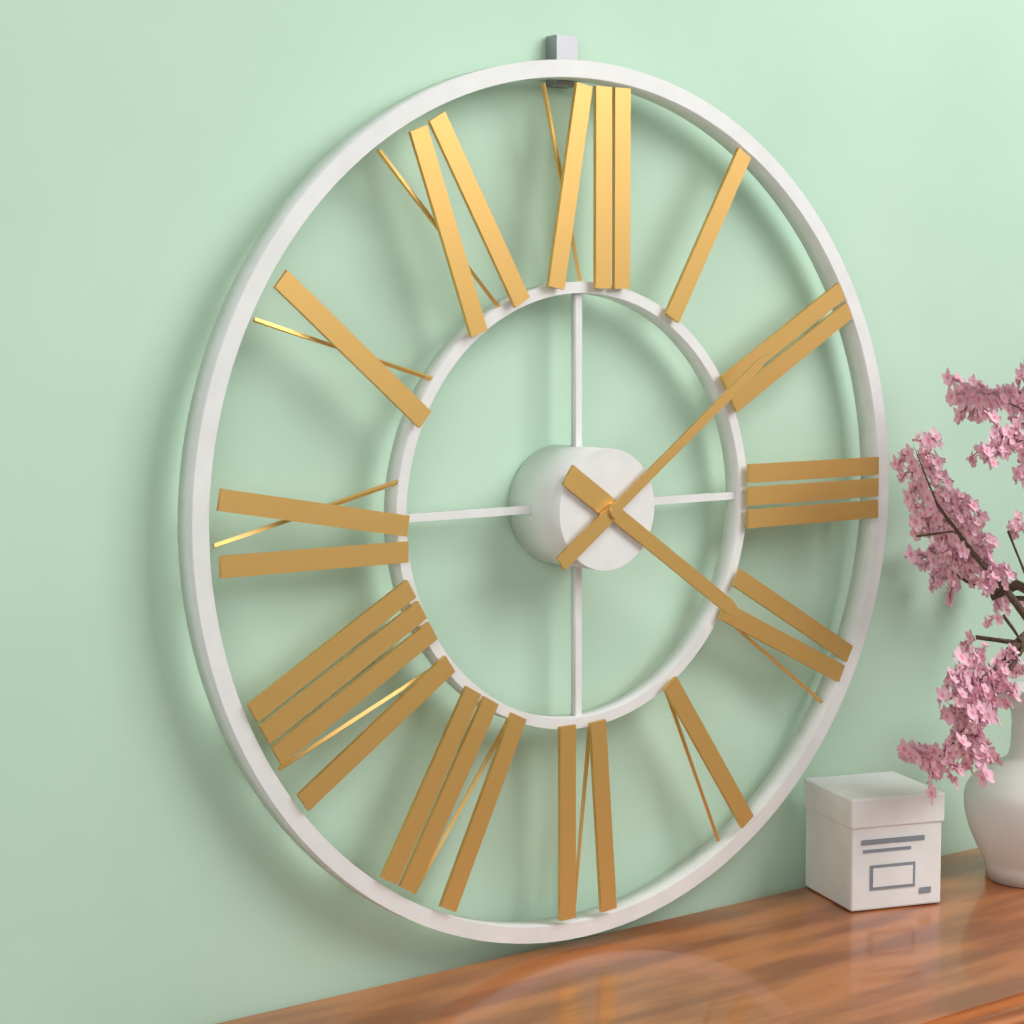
4:09
